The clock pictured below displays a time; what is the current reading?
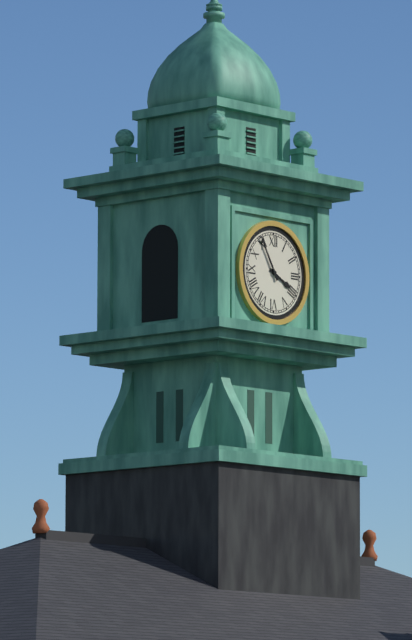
3:55
